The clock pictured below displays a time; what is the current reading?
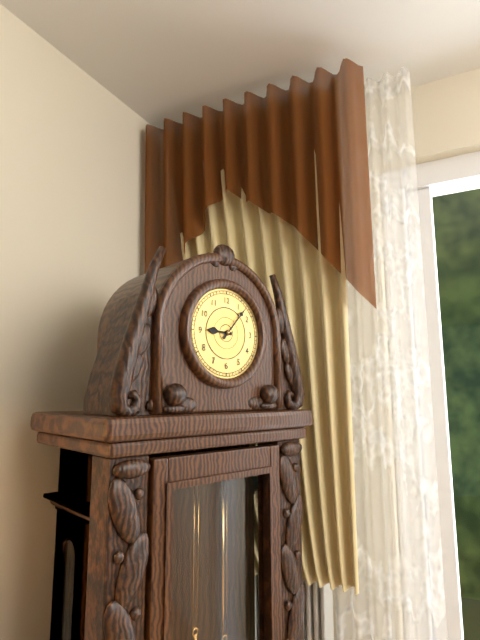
9:07
